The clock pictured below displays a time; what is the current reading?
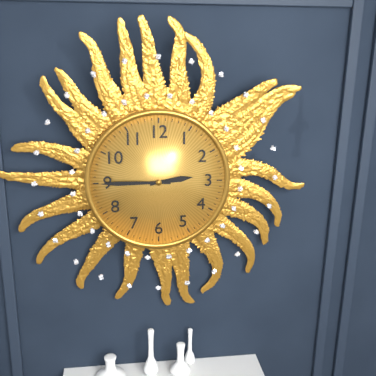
2:45
